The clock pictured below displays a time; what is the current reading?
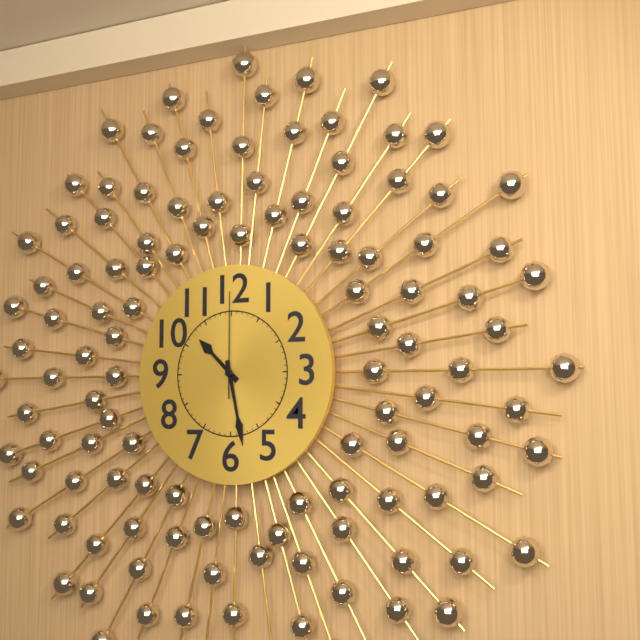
10:28:00
